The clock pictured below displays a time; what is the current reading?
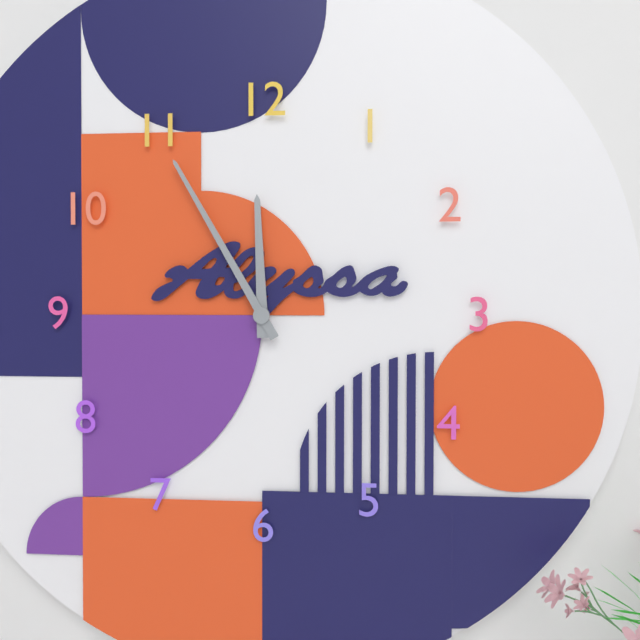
11:55
